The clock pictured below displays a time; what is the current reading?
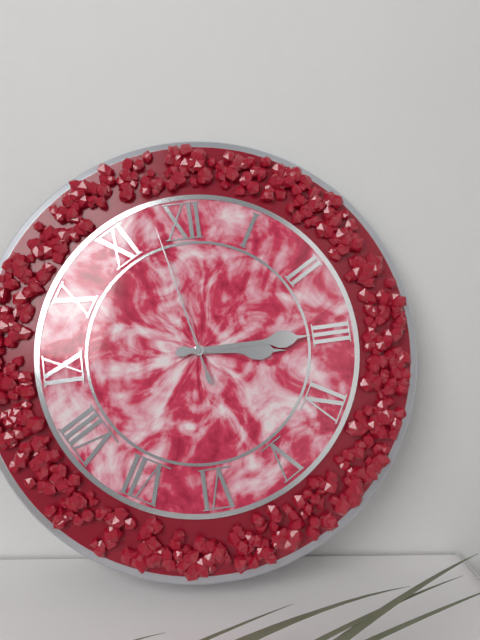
3:15:58
